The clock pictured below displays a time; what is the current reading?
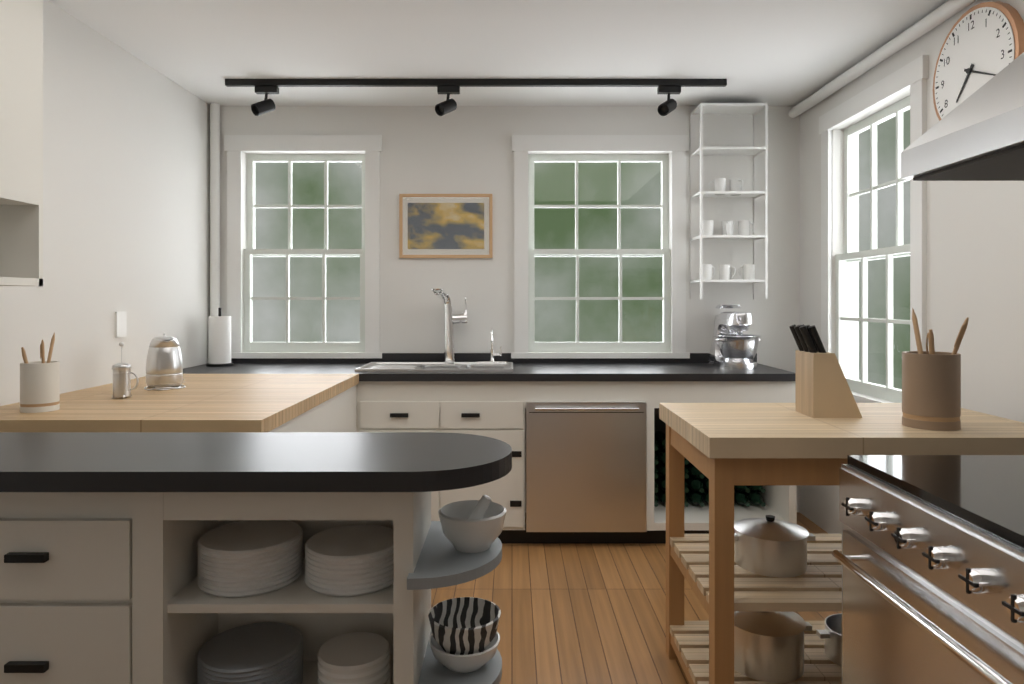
7:19
